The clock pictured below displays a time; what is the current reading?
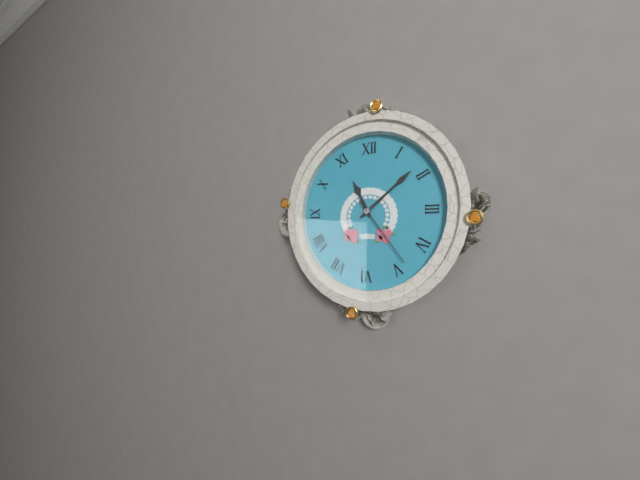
11:08:24
